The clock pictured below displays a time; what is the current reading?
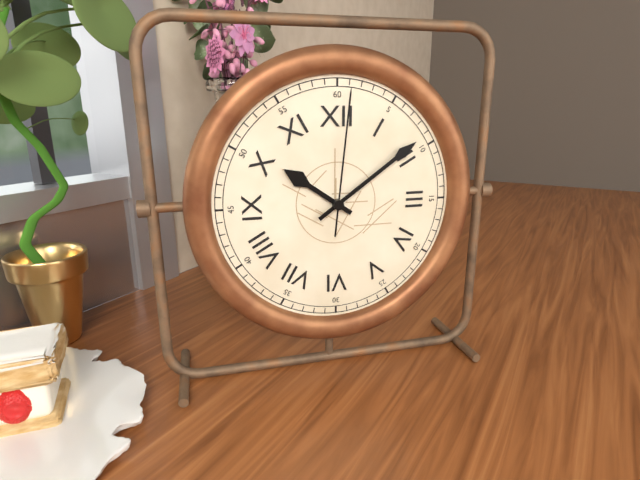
10:09:01
